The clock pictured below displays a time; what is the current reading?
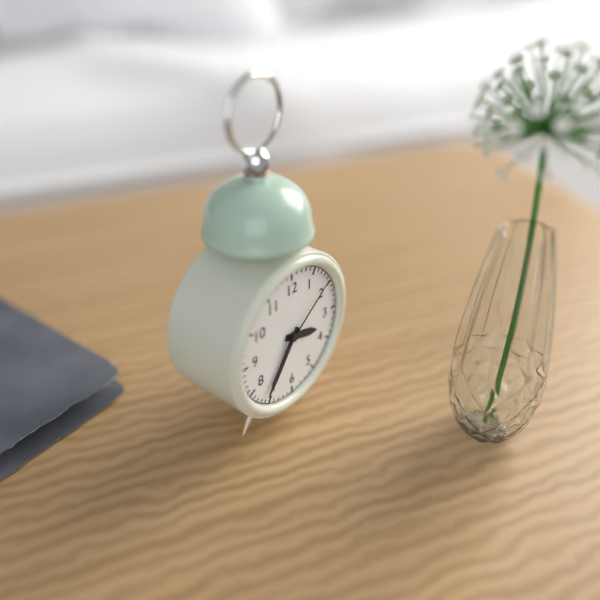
3:36:09
